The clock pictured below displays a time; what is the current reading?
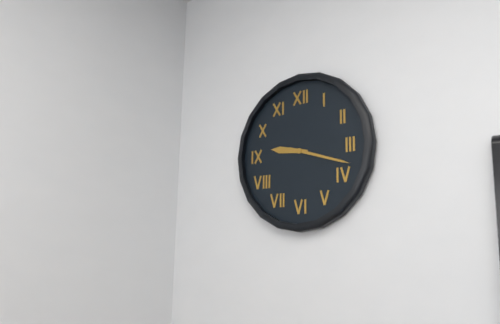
9:18
